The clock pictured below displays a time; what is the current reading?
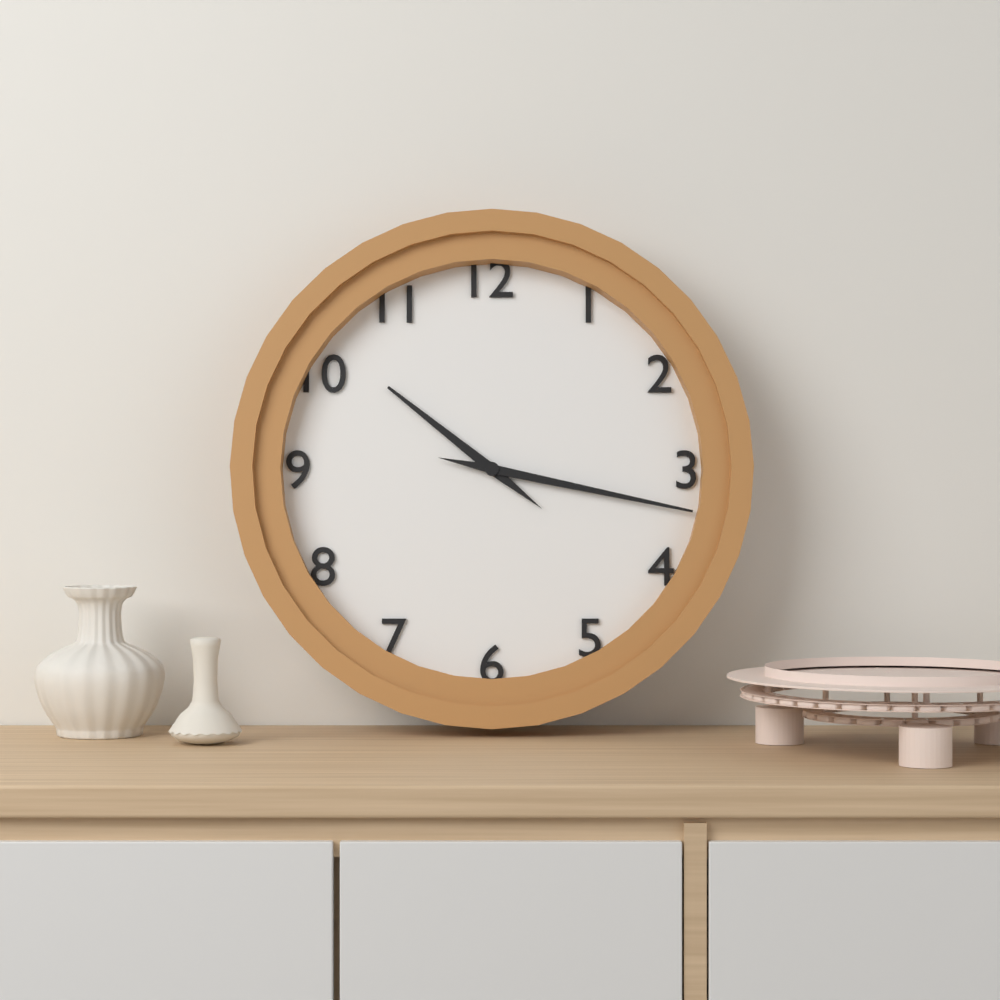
10:17
